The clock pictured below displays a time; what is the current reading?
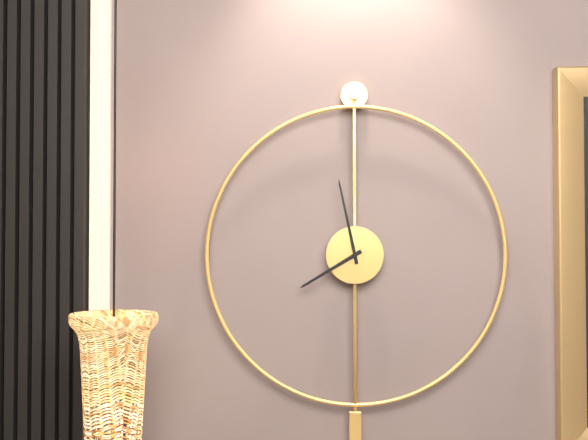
7:58
